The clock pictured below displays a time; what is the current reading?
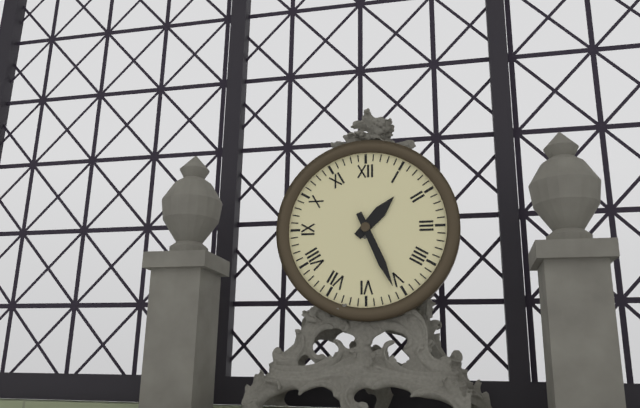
1:26
